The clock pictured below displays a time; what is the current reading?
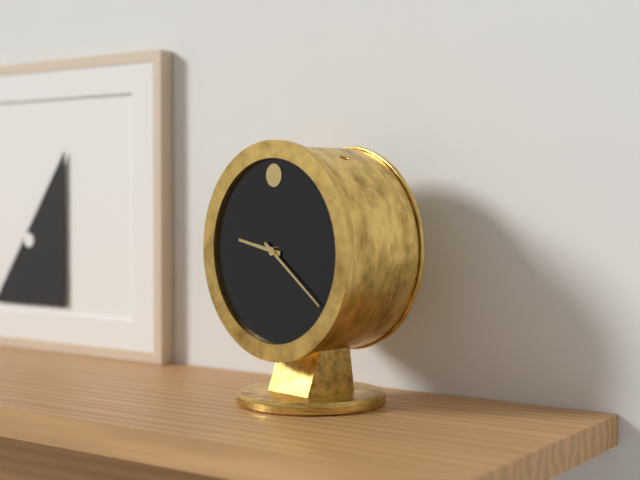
9:21
